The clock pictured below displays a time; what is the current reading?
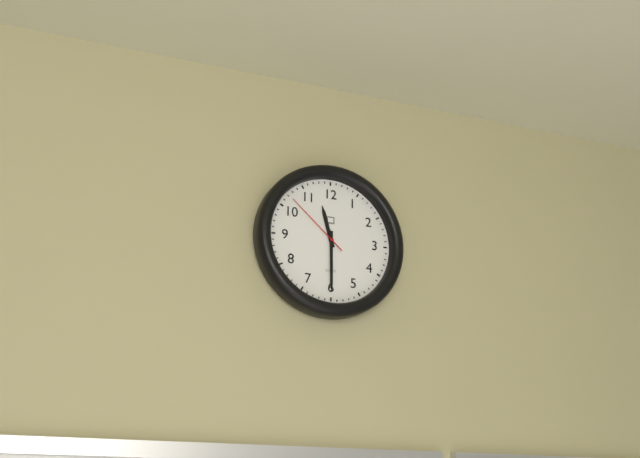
11:30:52
